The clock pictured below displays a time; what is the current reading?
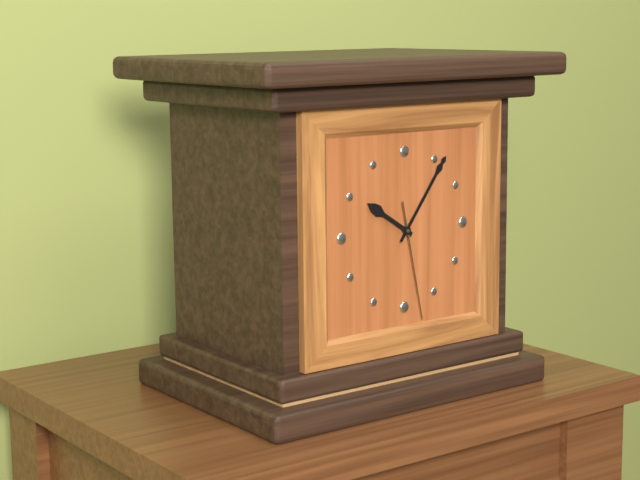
10:06:28
